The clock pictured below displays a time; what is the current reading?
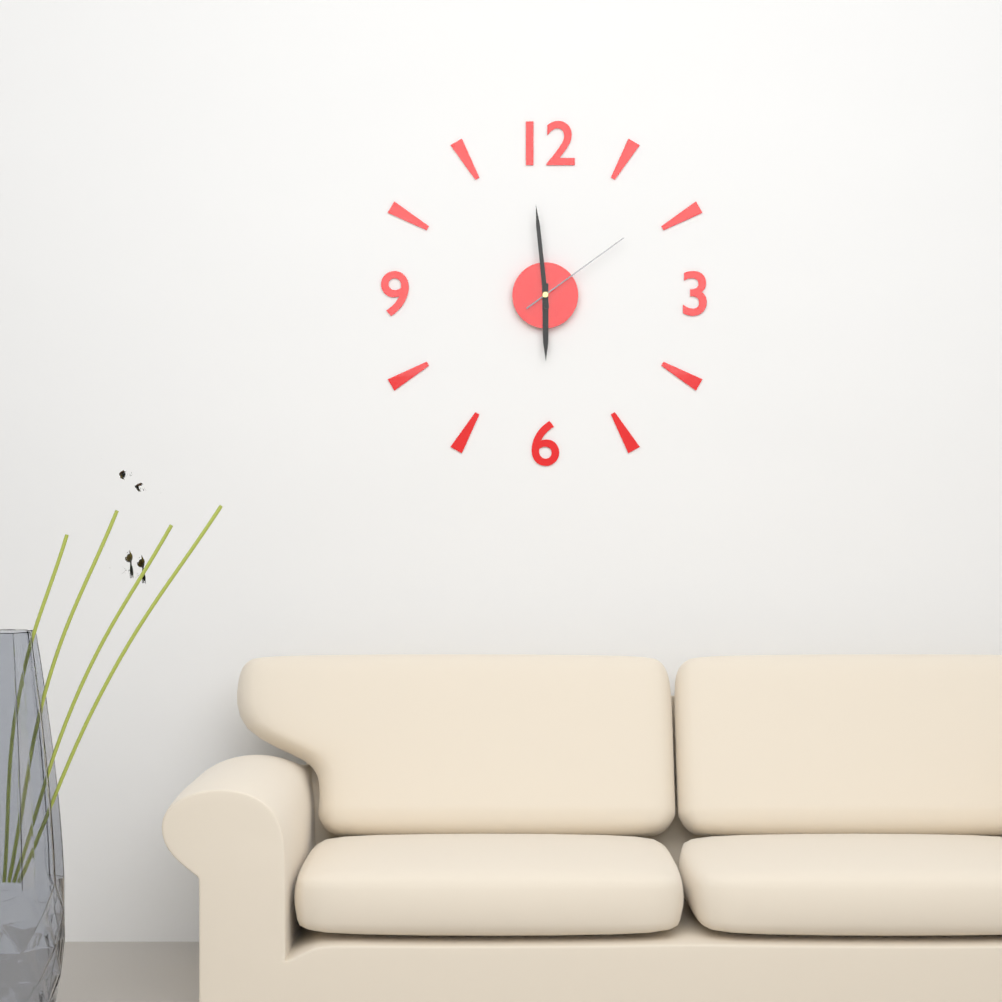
5:59:09
